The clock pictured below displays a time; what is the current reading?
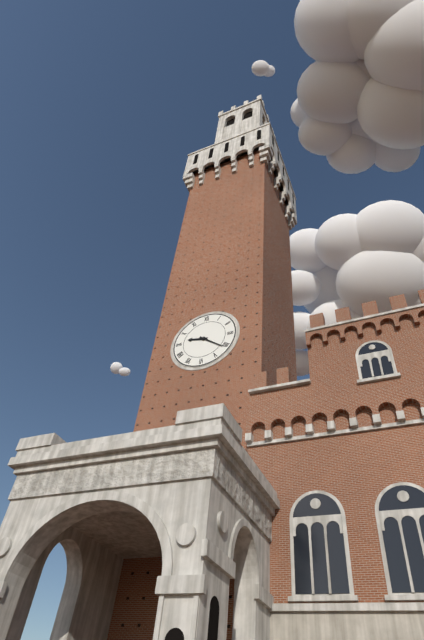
9:21
